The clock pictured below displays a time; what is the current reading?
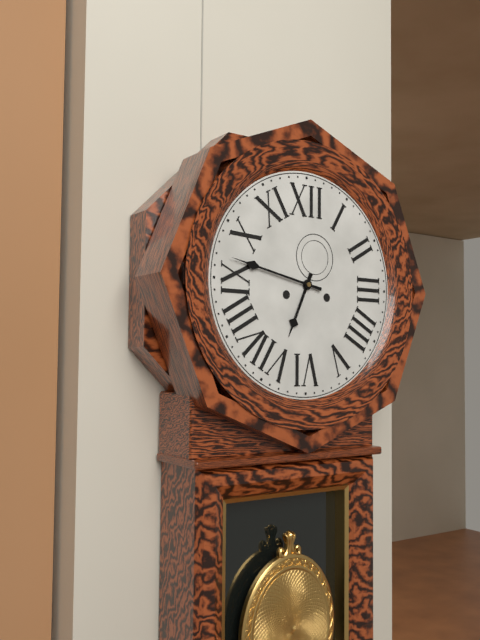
6:47
